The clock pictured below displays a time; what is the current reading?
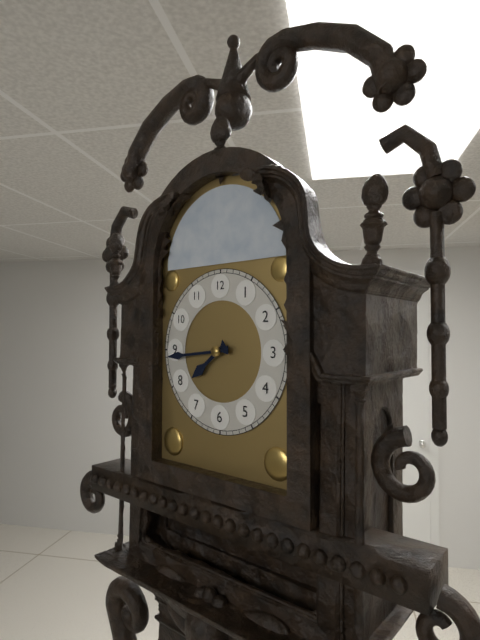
7:44
